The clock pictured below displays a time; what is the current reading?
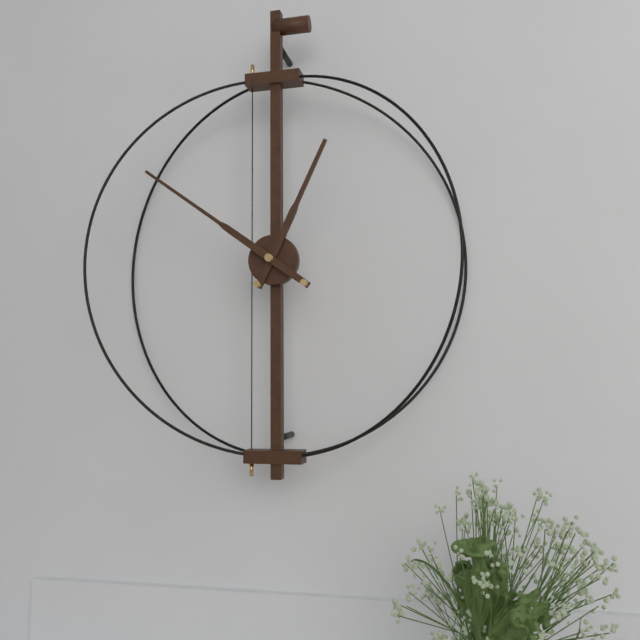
12:51
